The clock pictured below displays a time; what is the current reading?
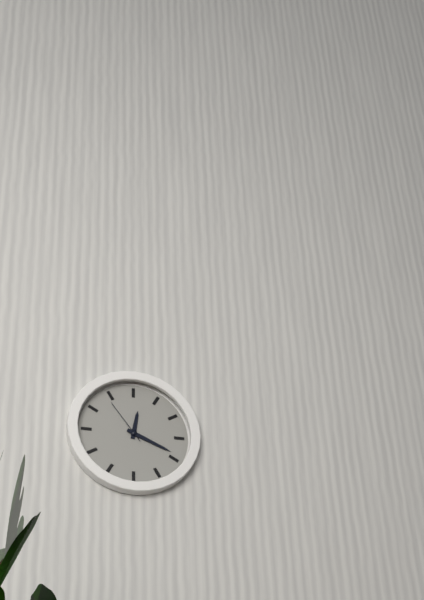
12:19
